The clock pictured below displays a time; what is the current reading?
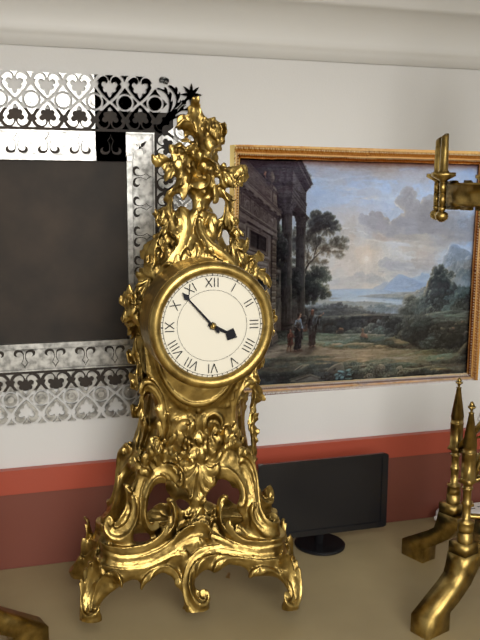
3:53
